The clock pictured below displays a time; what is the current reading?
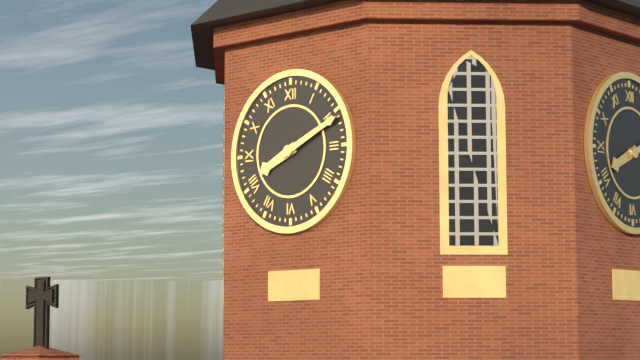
8:11
